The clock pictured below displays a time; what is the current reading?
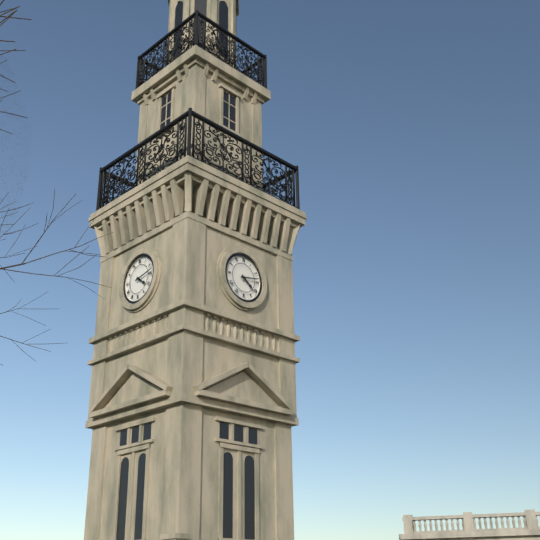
4:13
